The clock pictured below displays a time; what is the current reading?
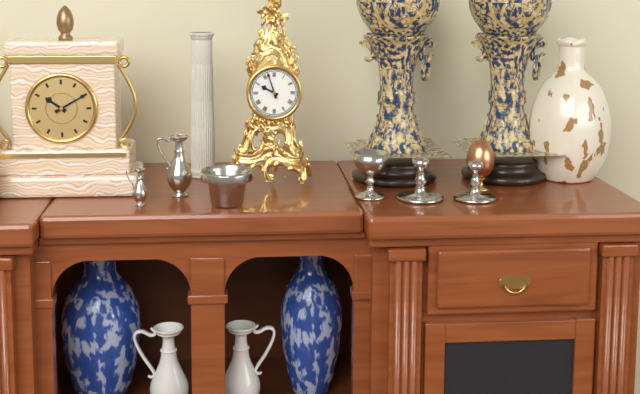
9:57
